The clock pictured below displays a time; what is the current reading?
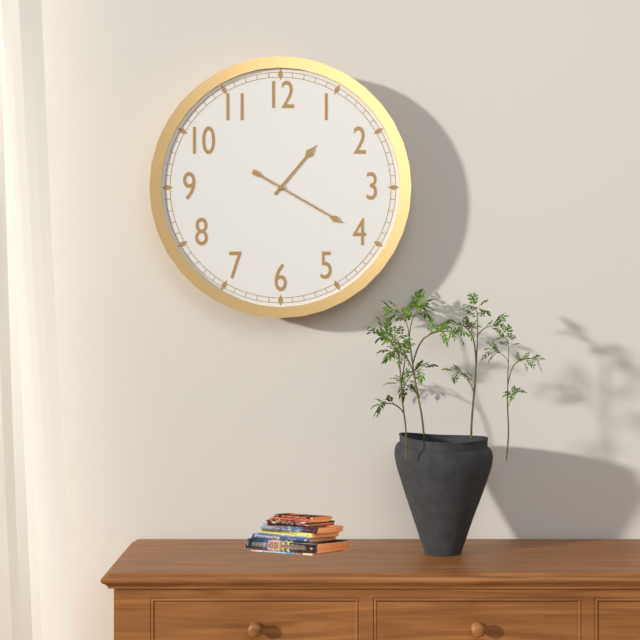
1:20
